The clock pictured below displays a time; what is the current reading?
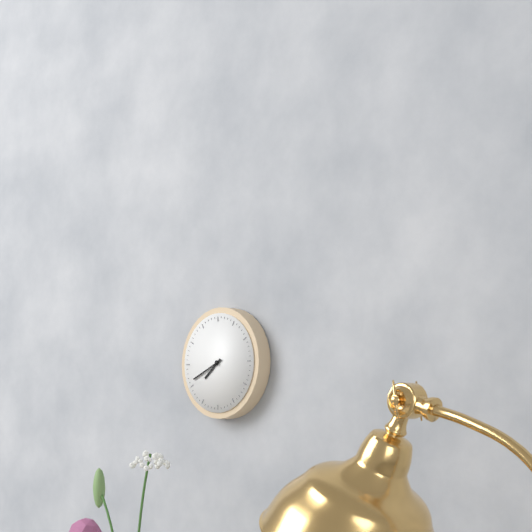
7:41
